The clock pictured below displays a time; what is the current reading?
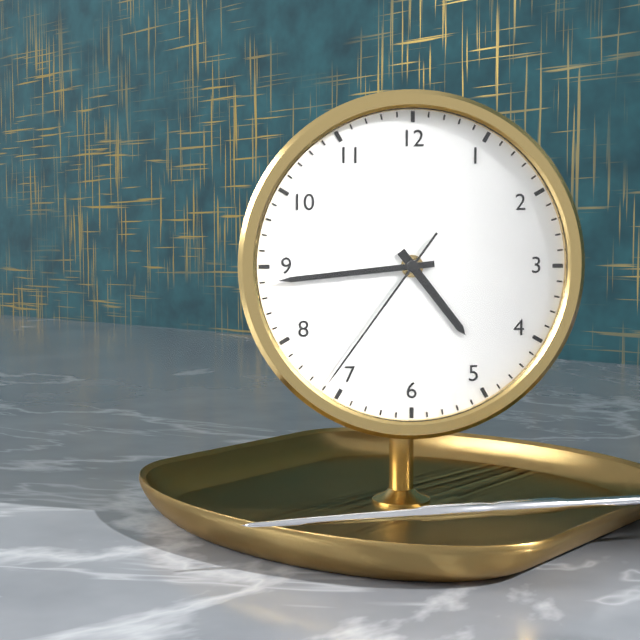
4:44:36
